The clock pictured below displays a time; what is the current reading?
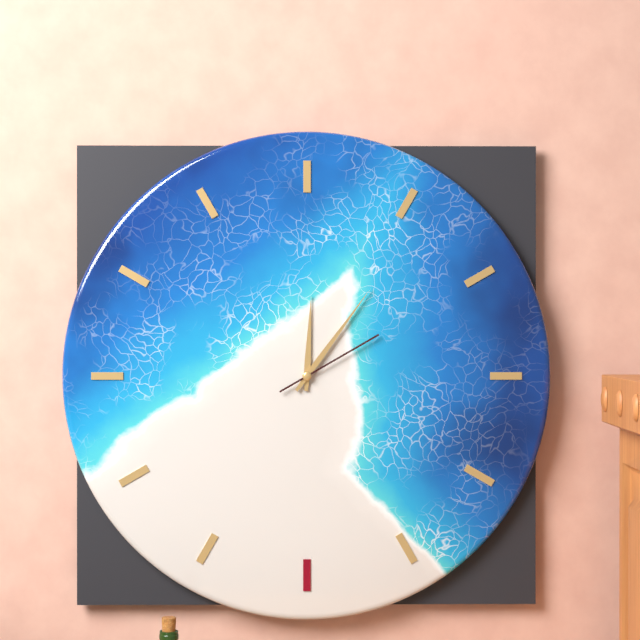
12:06:10
